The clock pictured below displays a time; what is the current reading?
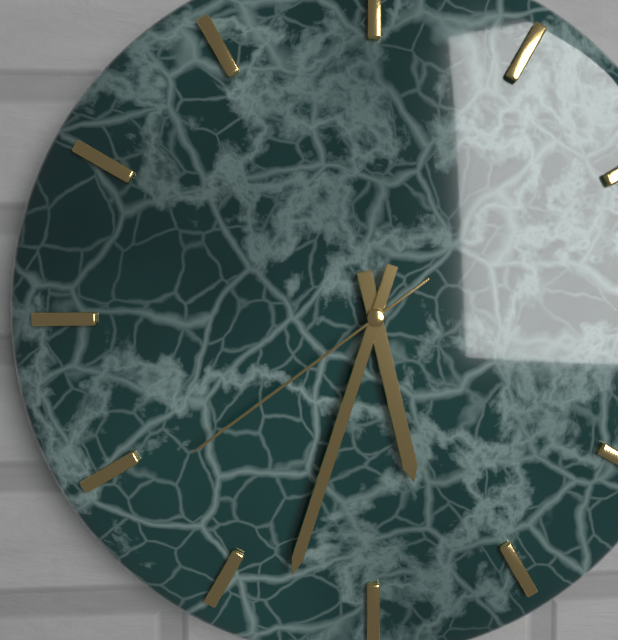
5:33:39
